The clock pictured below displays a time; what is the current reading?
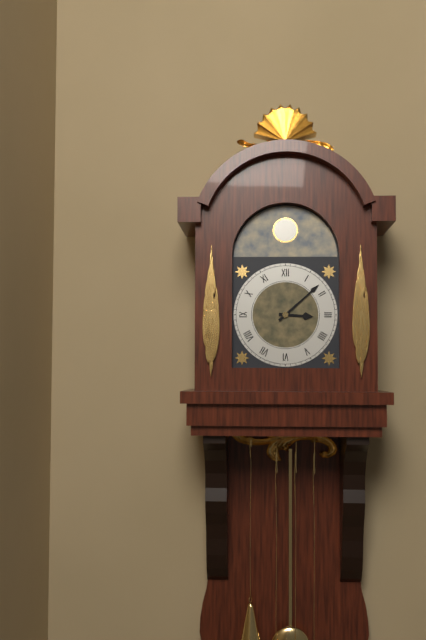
3:08
